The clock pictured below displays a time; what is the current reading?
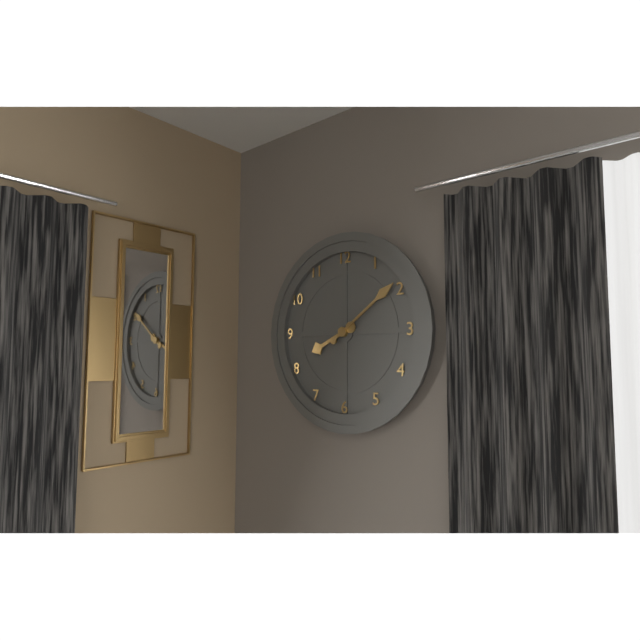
8:09
